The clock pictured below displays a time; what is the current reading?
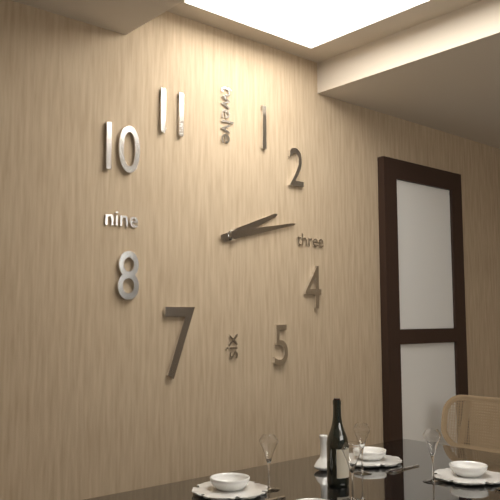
2:13
